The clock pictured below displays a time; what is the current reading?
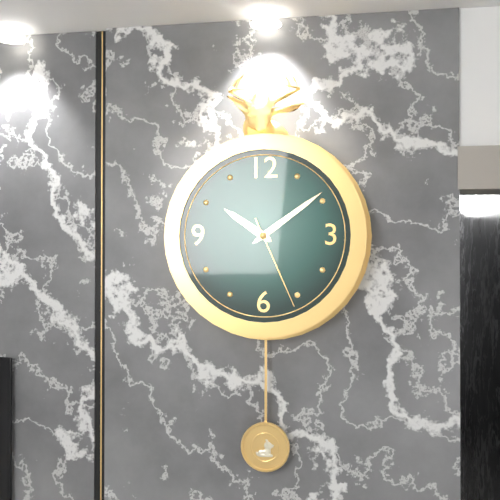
10:09:26
